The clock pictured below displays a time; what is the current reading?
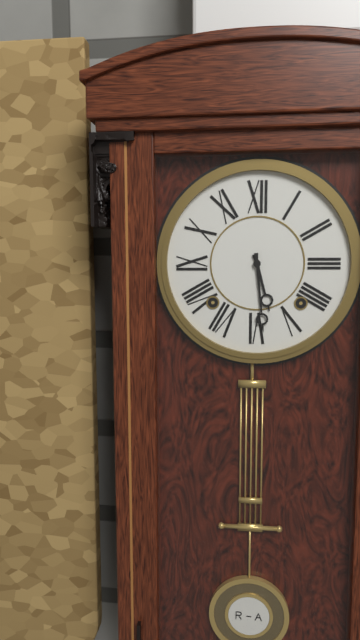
5:29
